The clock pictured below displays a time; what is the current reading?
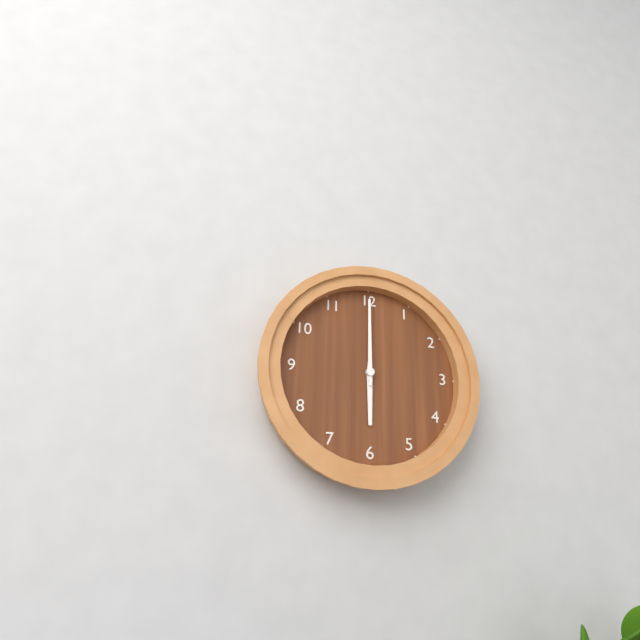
6:00
